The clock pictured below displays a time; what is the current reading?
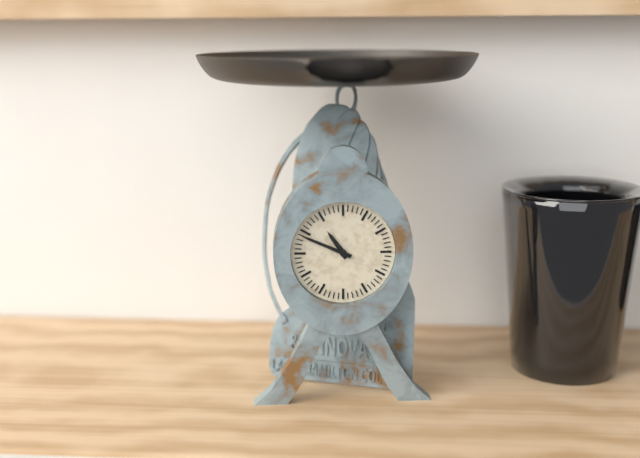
10:49
